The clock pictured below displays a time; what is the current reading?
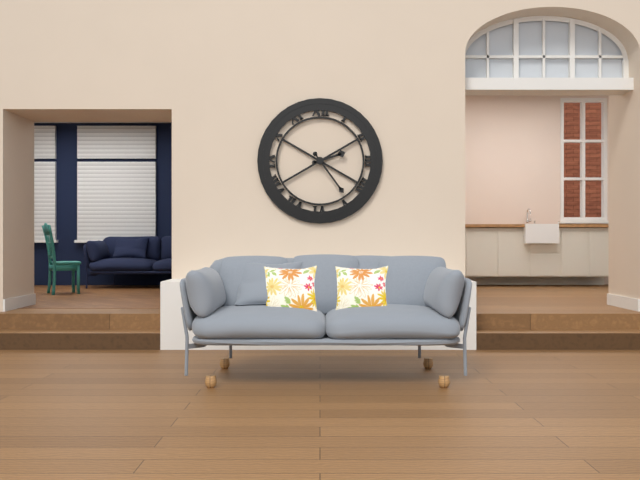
2:24
